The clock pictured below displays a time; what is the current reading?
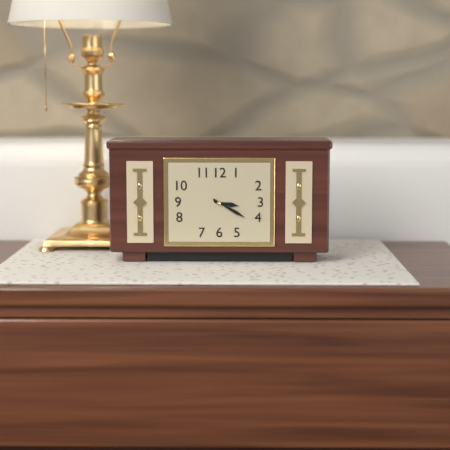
3:20
